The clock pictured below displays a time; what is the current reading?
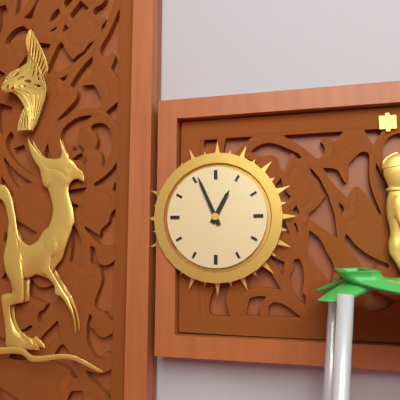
12:56
